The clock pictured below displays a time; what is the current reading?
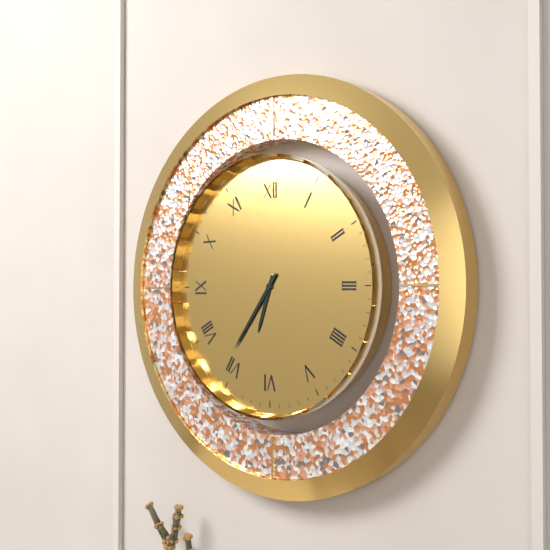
6:36
